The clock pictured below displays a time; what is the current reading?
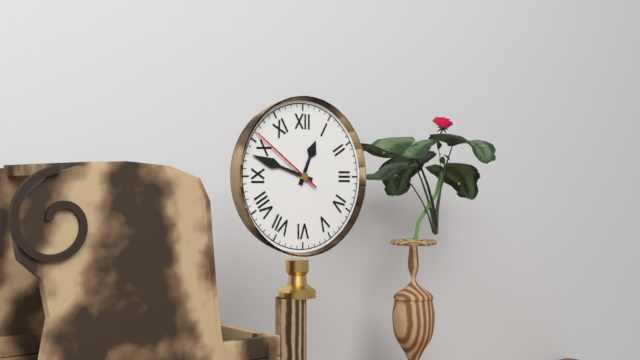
12:48:51
